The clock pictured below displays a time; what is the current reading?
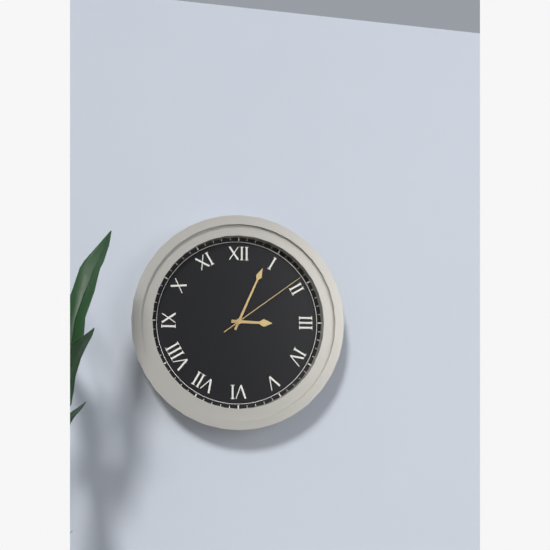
3:04:09
